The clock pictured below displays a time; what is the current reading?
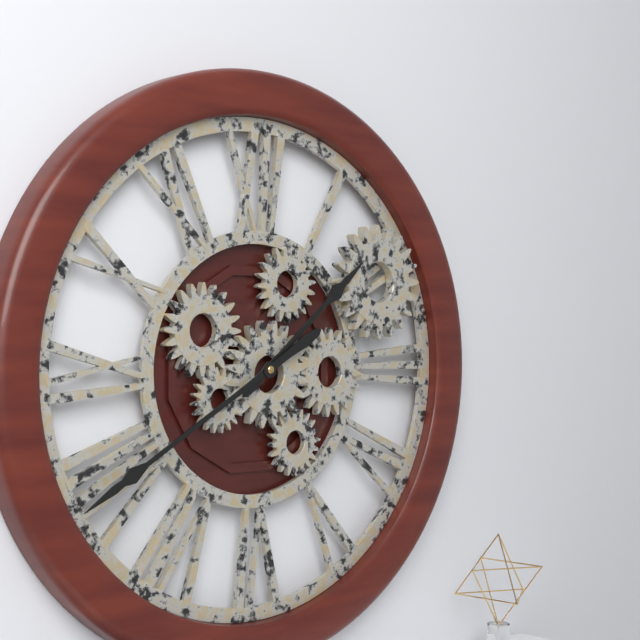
1:40
